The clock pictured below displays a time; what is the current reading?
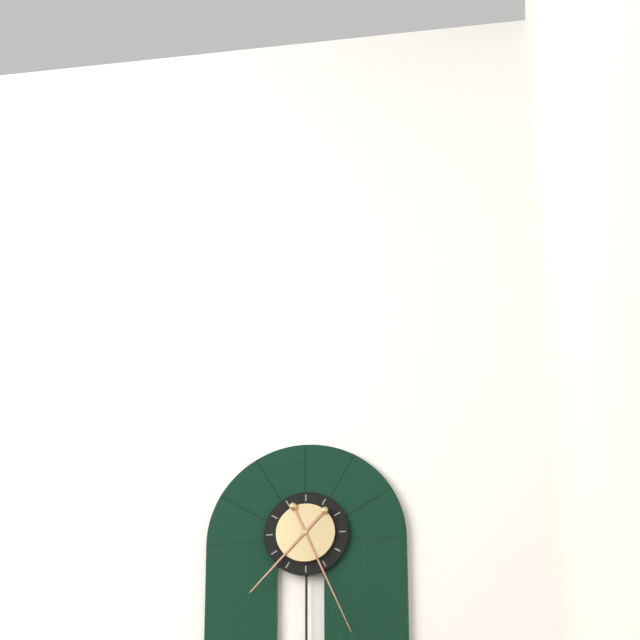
7:26
